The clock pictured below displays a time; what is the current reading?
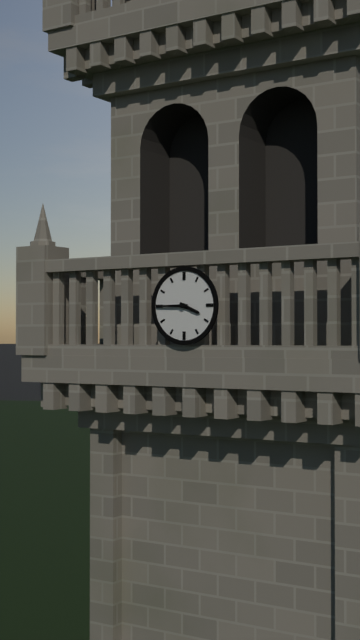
3:45
